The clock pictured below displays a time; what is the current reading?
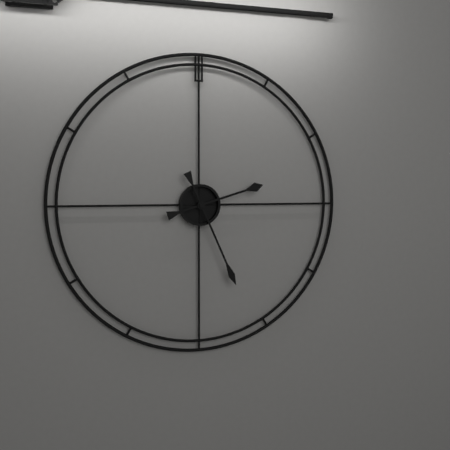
2:26
